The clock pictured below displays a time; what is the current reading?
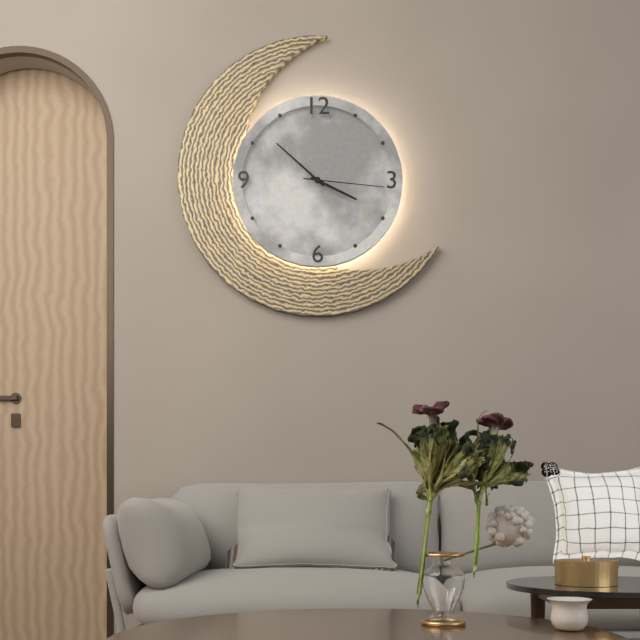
3:52:16
